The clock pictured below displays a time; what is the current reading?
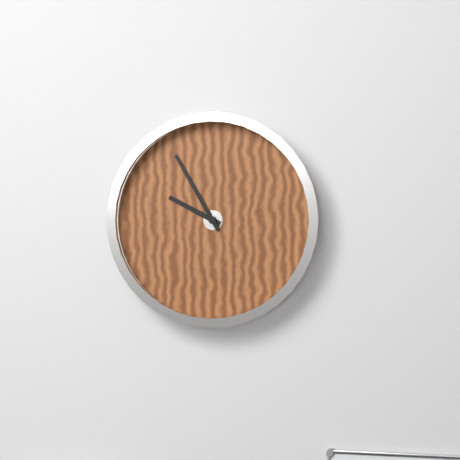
9:55
